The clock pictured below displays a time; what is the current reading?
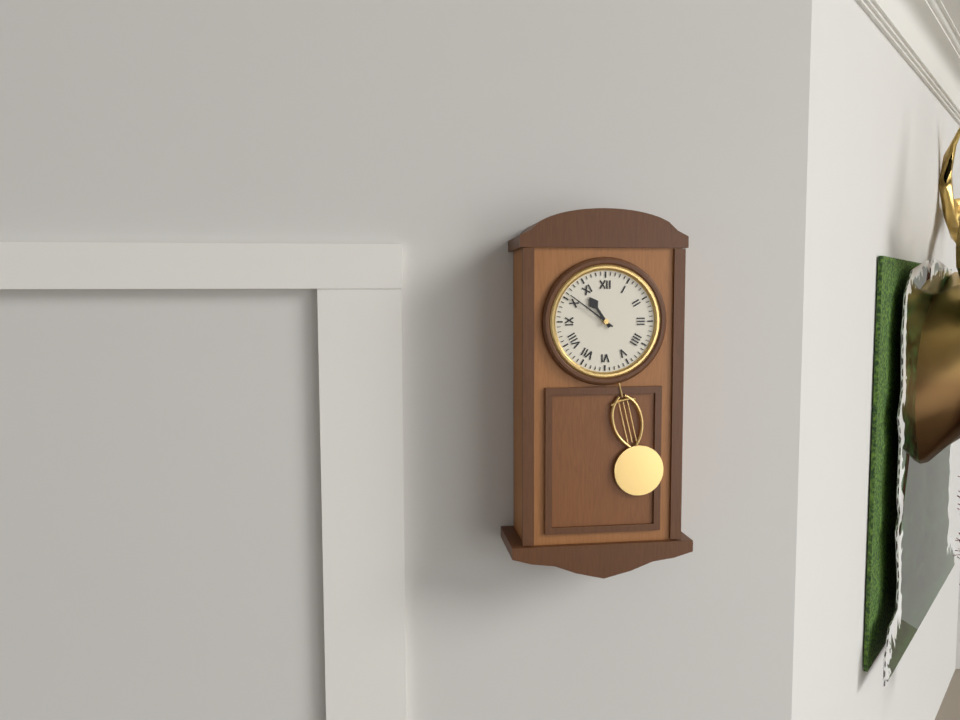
10:51
